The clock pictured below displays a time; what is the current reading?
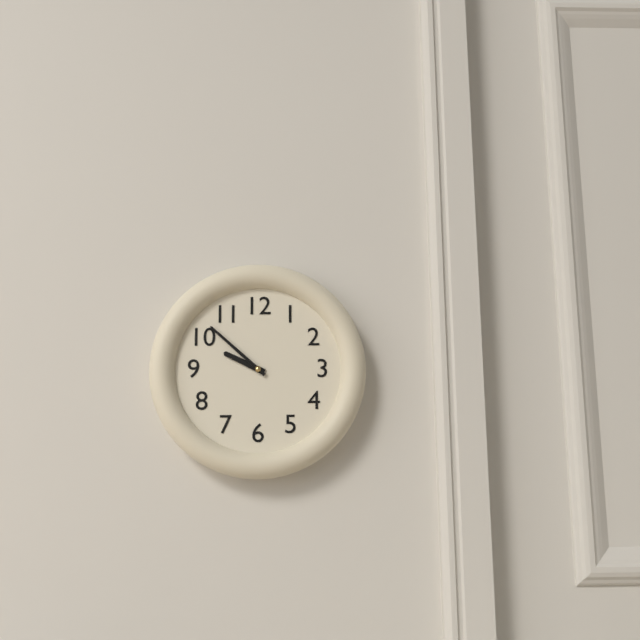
9:52
